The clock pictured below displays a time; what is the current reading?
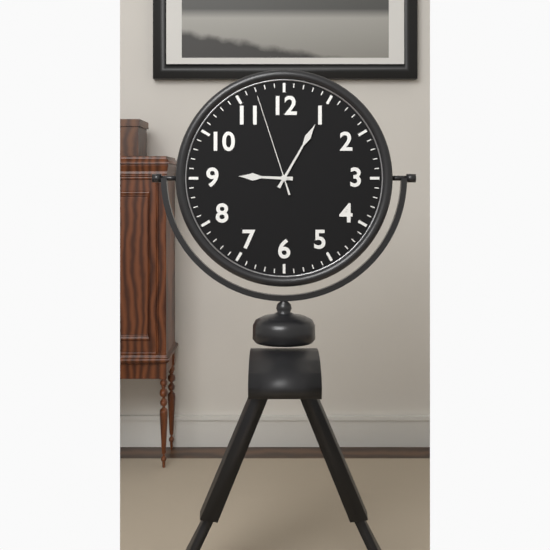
9:05:57
